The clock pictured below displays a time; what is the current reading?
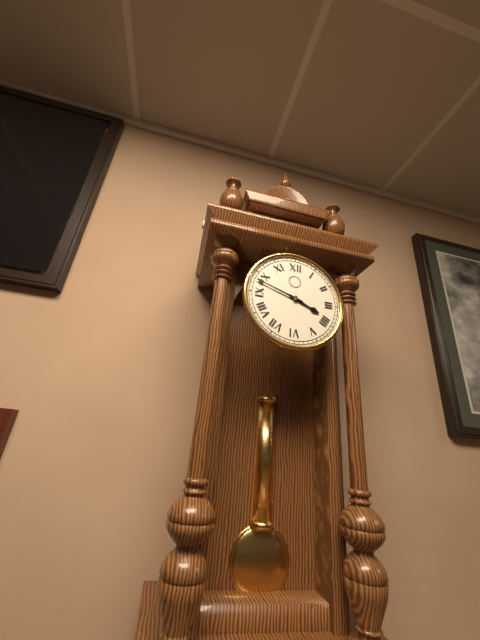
3:48
